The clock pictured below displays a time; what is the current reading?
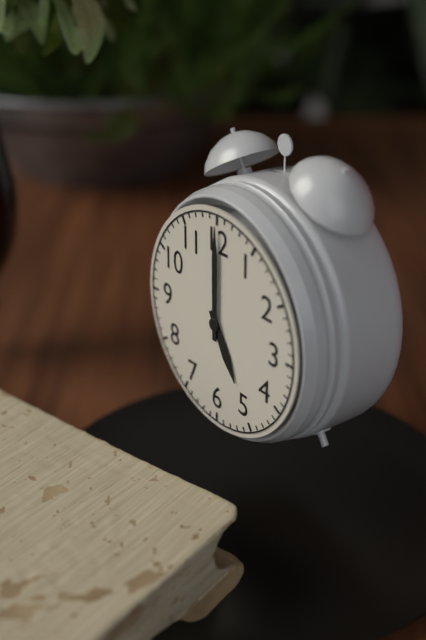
5:00
